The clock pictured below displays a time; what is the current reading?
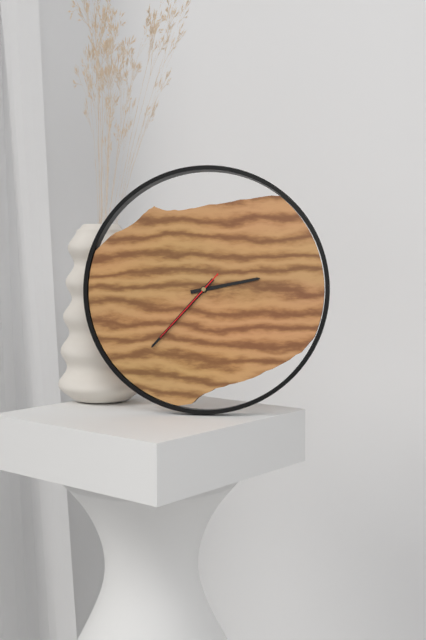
2:37:37
